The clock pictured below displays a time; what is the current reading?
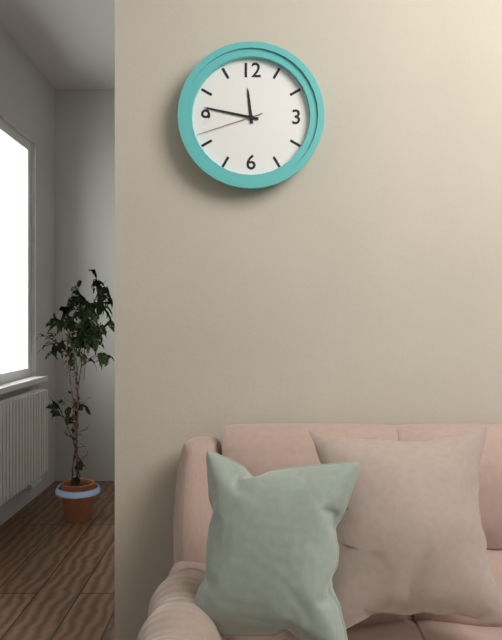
11:47:42
